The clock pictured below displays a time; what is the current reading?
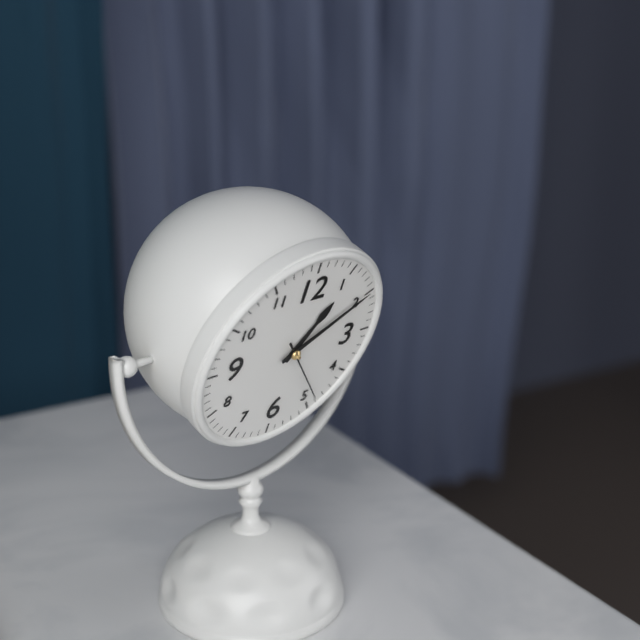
1:10:24
